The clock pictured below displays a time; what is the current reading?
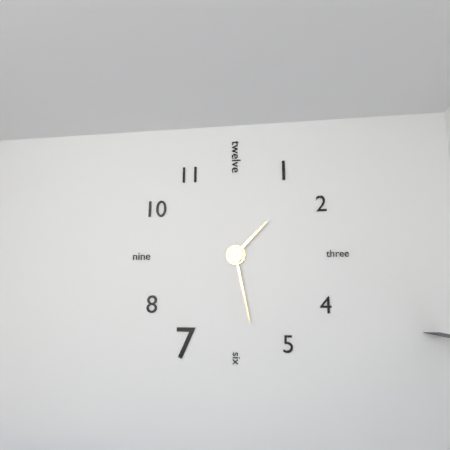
1:28
